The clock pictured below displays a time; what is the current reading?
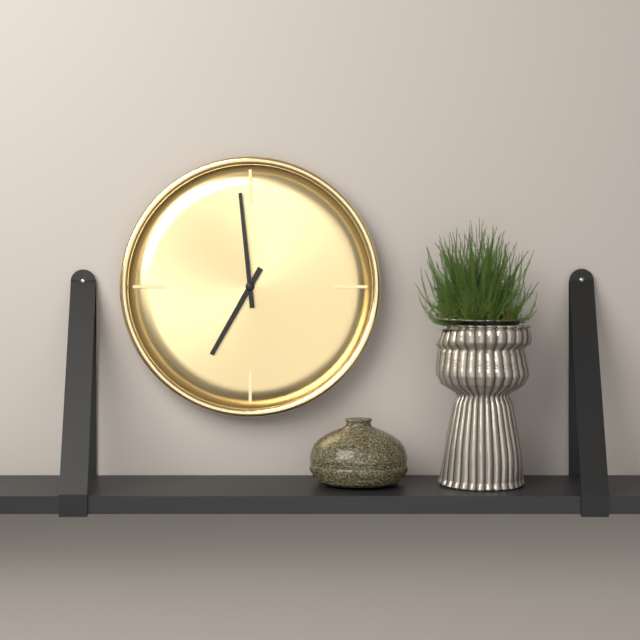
6:59
